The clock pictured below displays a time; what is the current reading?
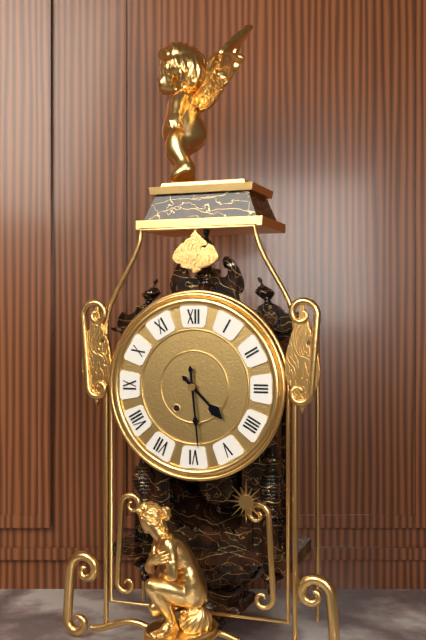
4:29
